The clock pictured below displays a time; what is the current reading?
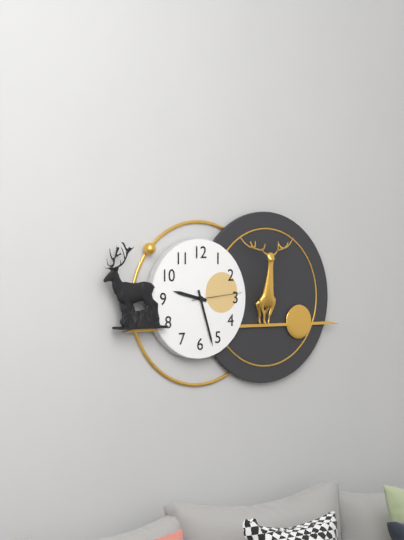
9:27:14
